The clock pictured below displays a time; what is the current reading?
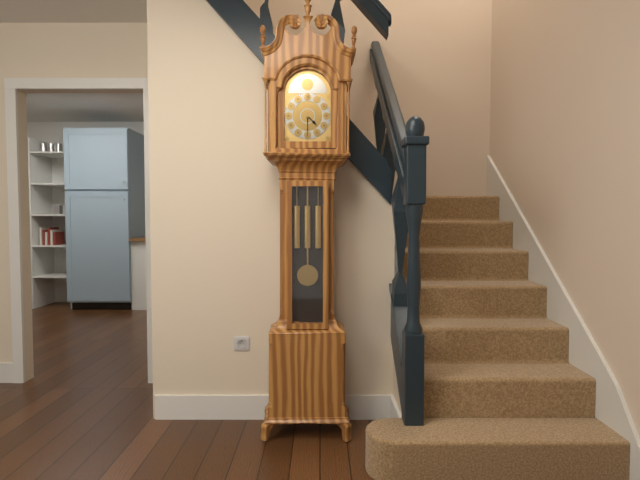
4:30
